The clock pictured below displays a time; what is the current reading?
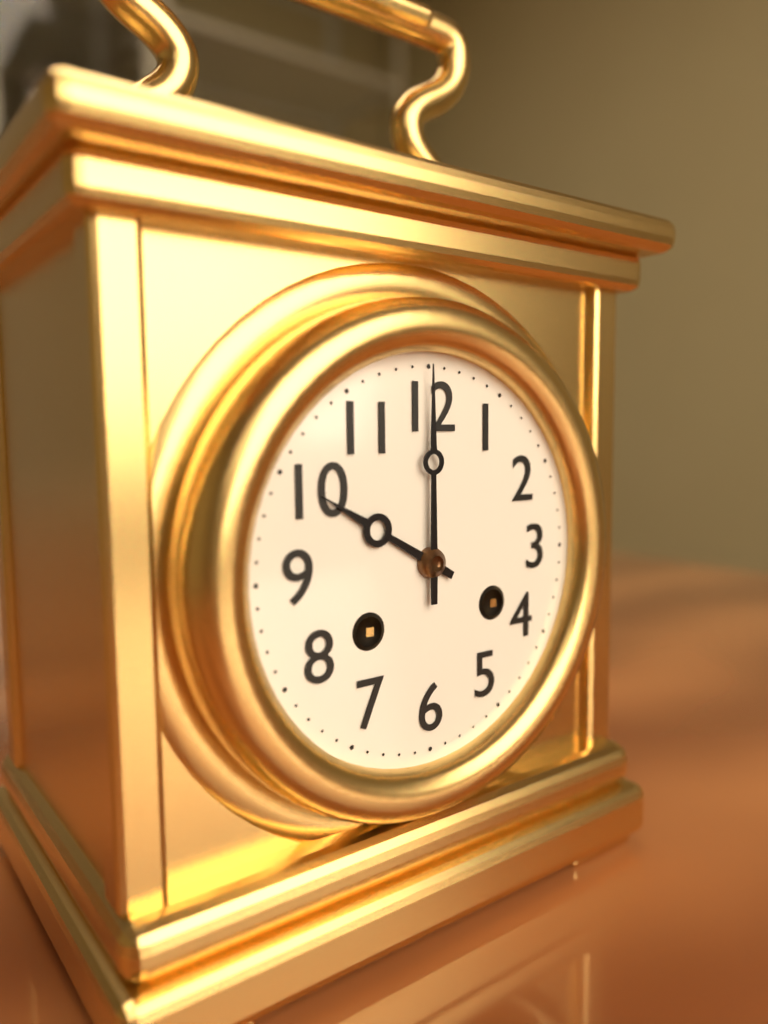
10:00
